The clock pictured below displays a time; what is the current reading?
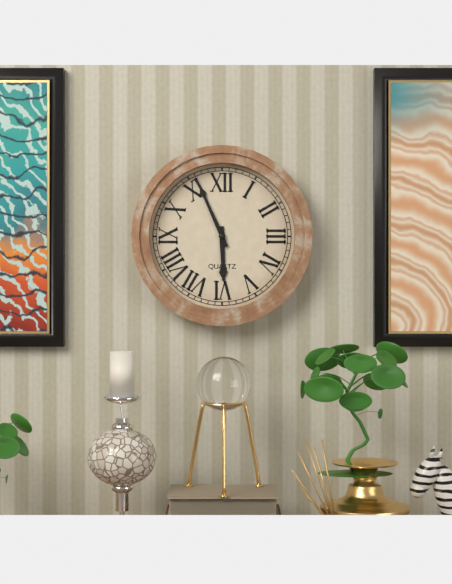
5:56
